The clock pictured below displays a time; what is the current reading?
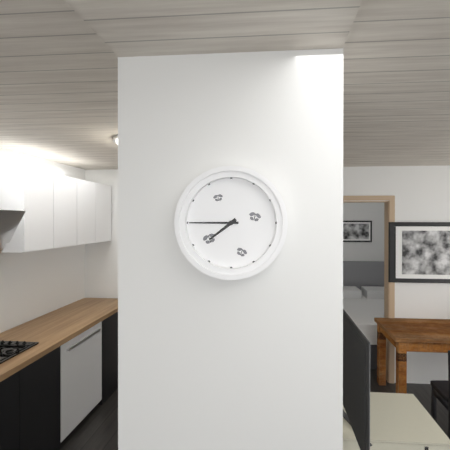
7:45
